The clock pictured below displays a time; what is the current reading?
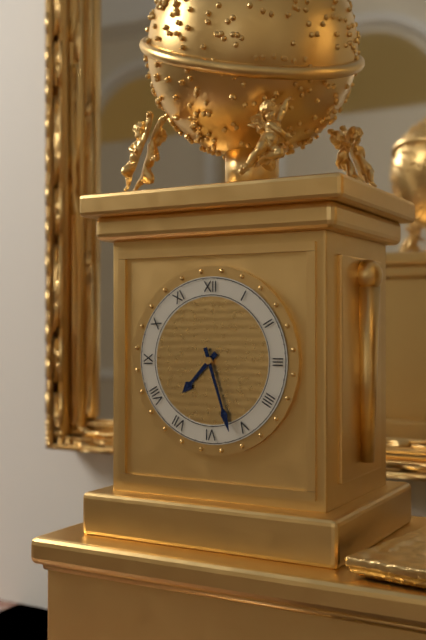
7:27
